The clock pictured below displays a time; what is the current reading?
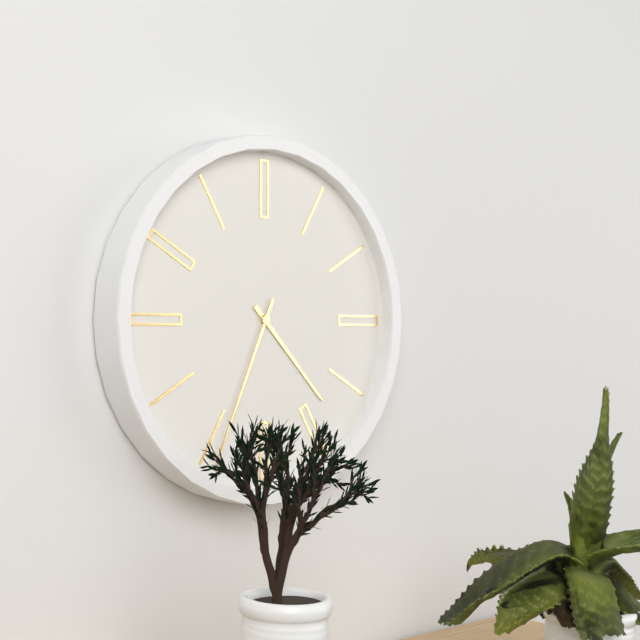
4:34
